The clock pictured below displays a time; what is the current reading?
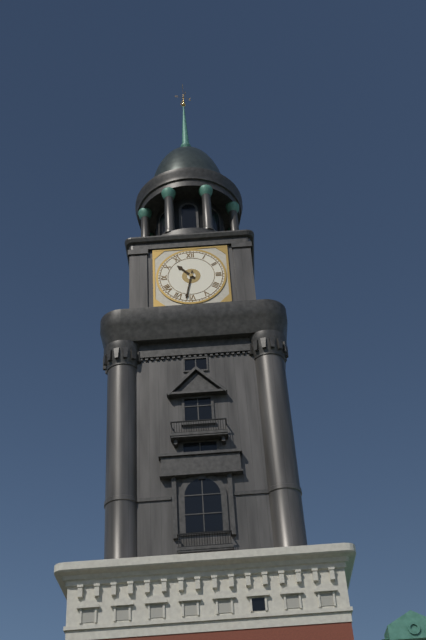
10:32
